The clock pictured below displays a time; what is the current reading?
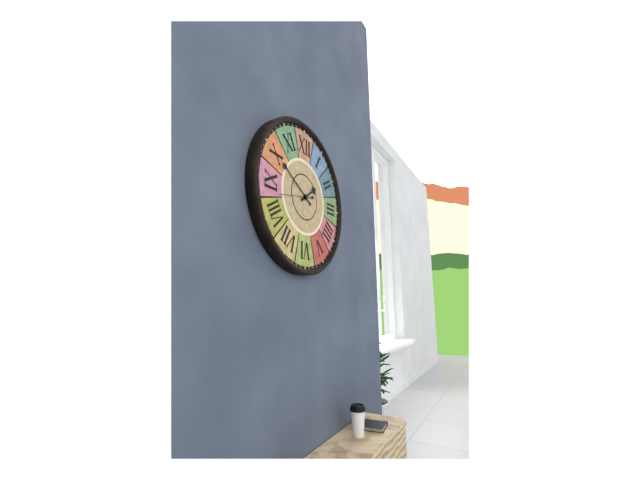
1:50
